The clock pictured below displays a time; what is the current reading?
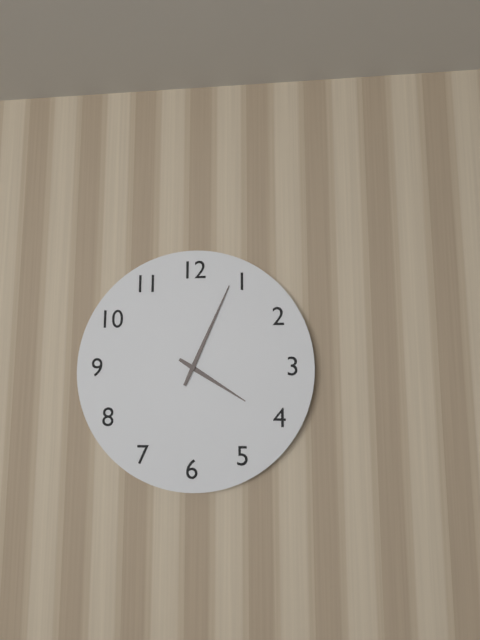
4:04
